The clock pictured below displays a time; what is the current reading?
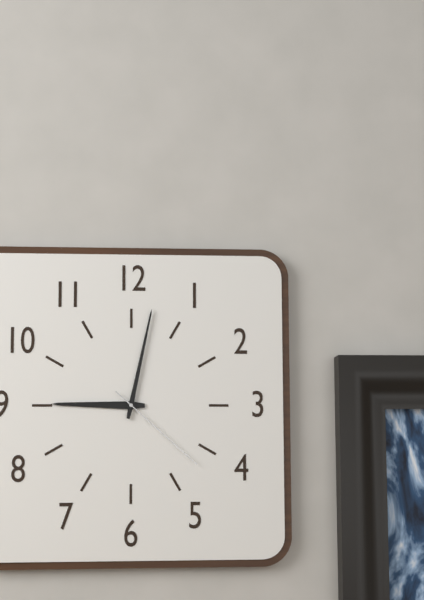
9:02:22
